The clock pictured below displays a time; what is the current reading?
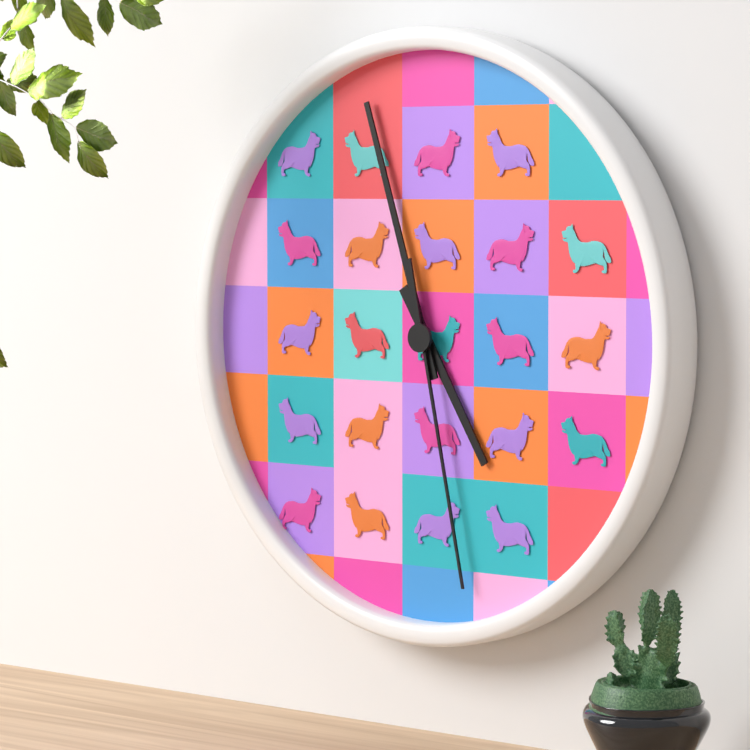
4:57:28
